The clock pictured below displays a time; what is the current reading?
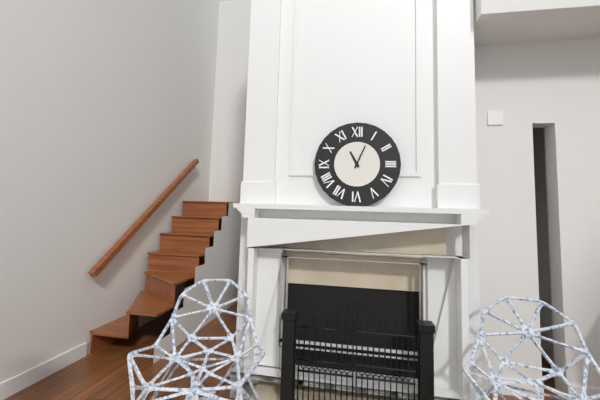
11:04
